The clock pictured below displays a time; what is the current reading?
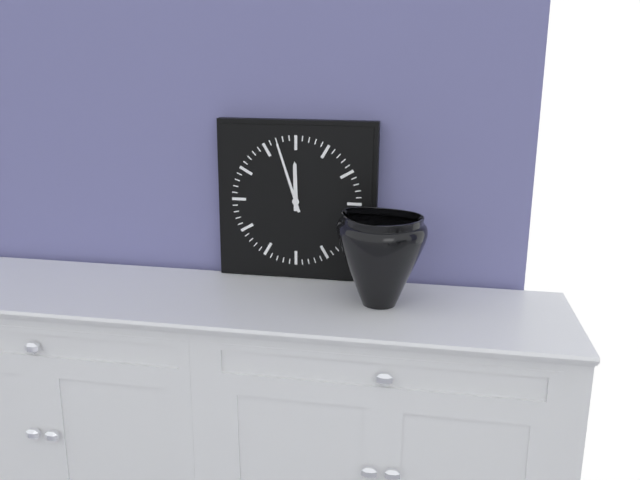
11:57
